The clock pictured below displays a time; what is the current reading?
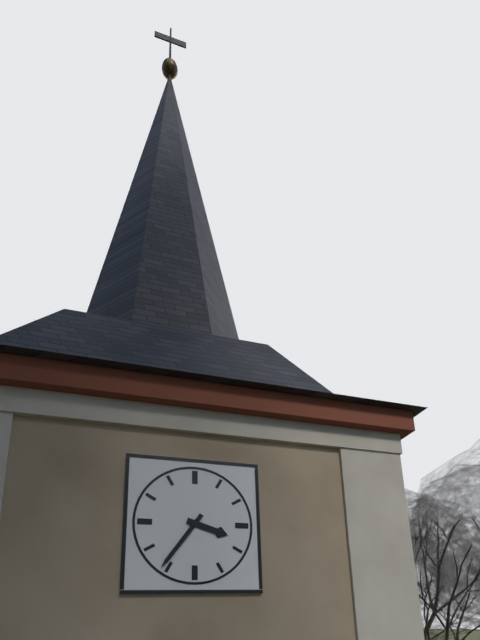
3:36
